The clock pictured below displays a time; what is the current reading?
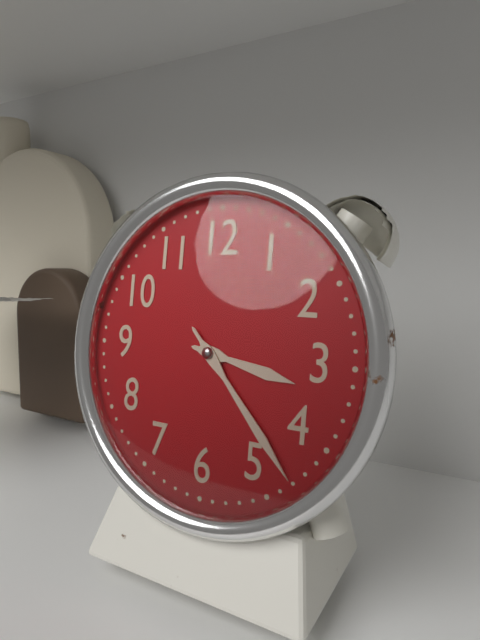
3:23
